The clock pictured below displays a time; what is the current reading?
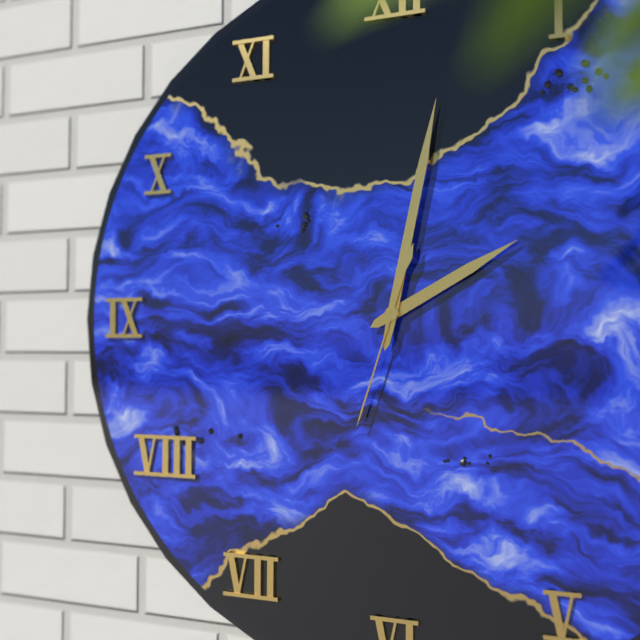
2:02:33
